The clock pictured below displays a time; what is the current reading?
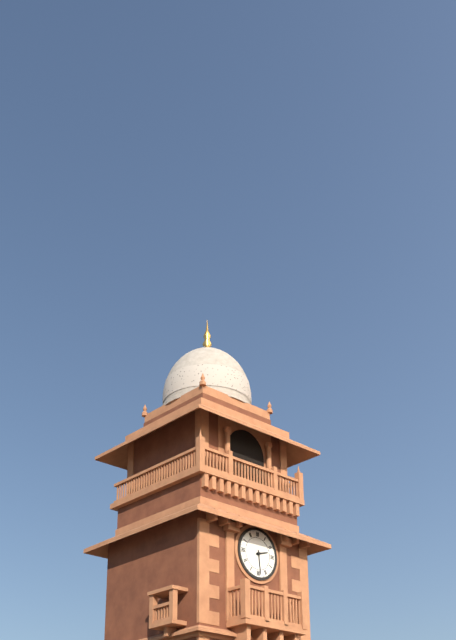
2:29
